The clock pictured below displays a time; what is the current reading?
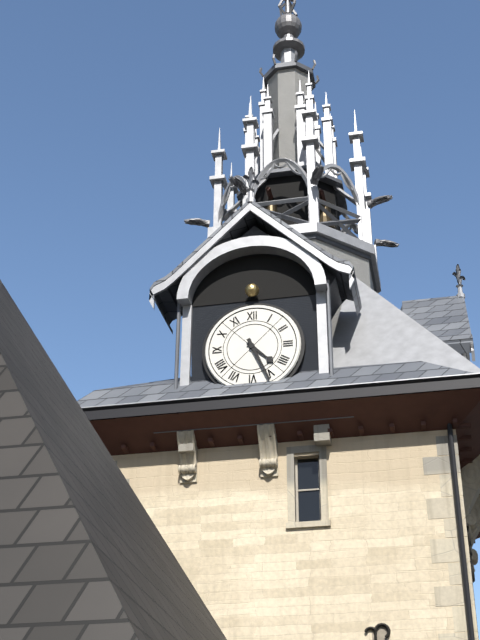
4:26
